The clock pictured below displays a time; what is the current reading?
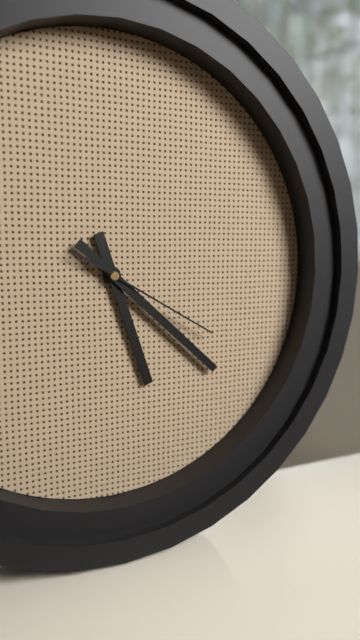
5:22:20
